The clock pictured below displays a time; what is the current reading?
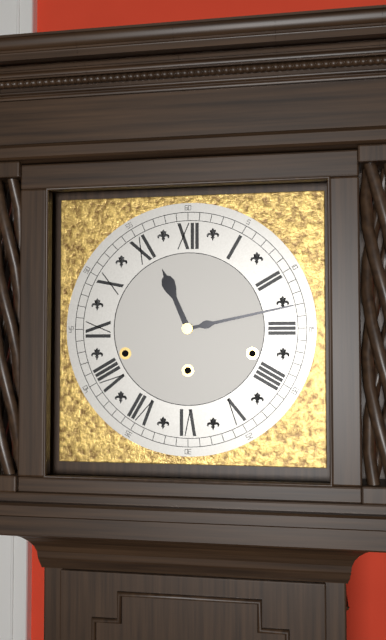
11:13
